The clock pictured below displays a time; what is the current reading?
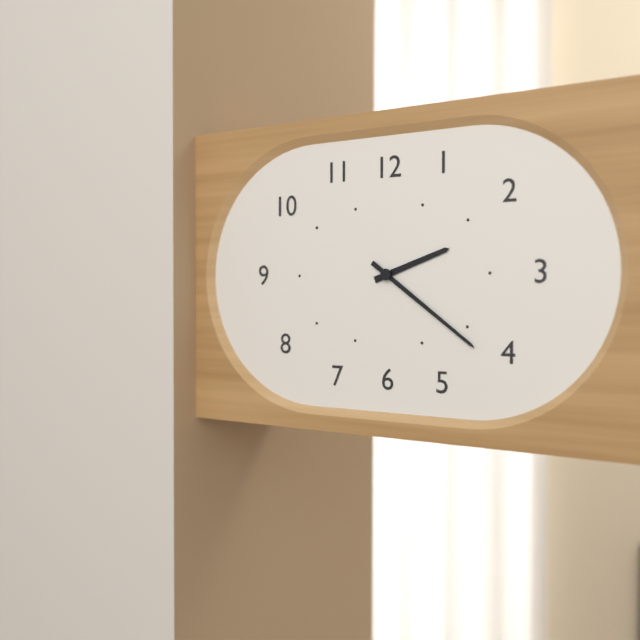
2:21
